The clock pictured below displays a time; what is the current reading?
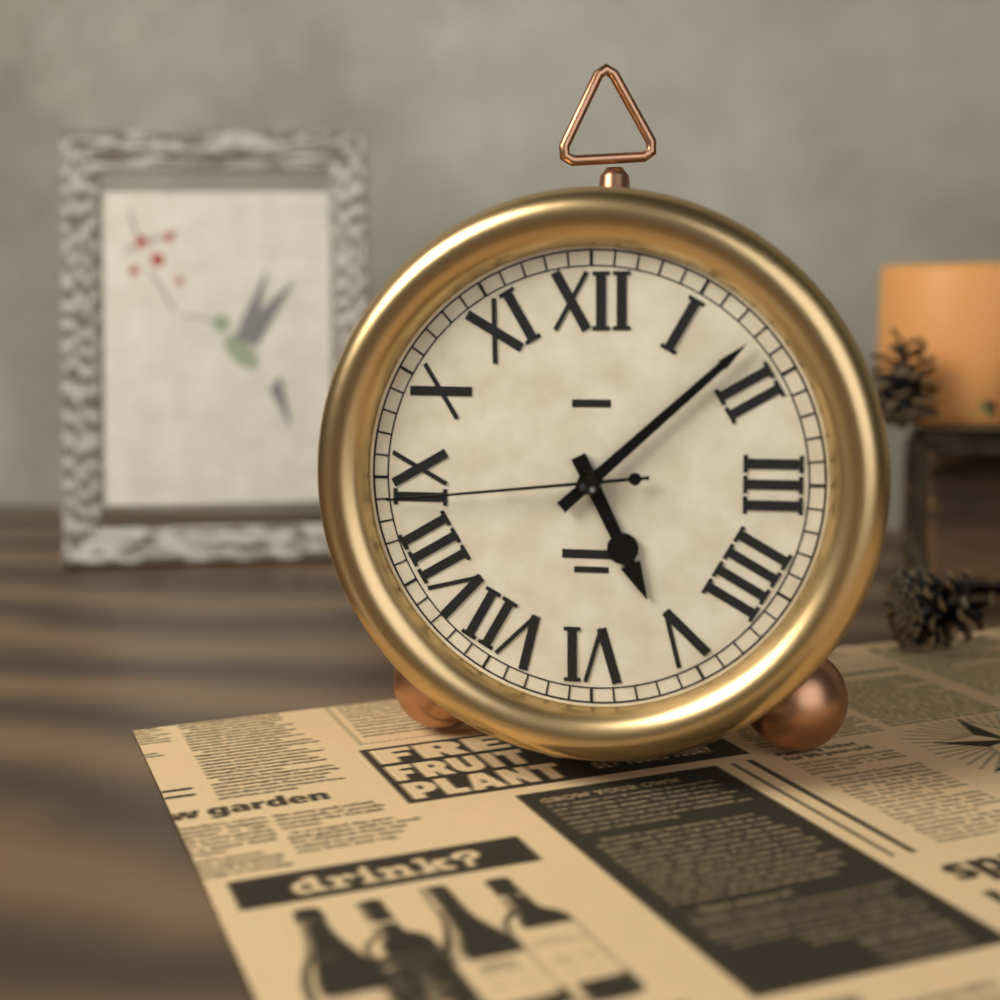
5:08:44
